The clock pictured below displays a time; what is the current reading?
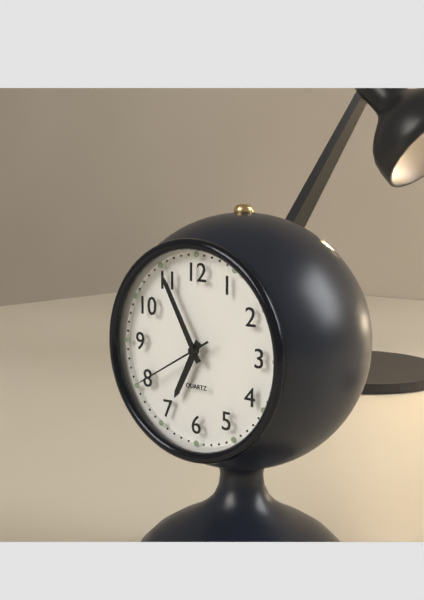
6:55:40
